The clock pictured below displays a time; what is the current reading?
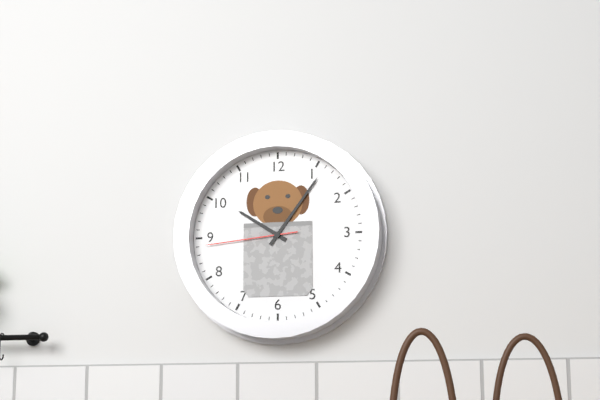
10:06:44
